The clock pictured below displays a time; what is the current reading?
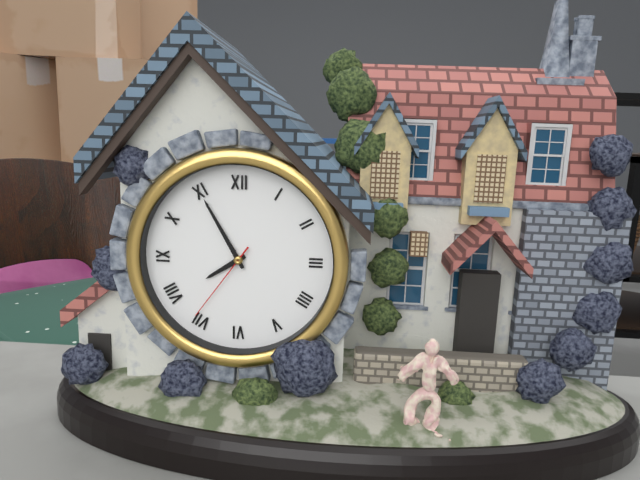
7:55:36
